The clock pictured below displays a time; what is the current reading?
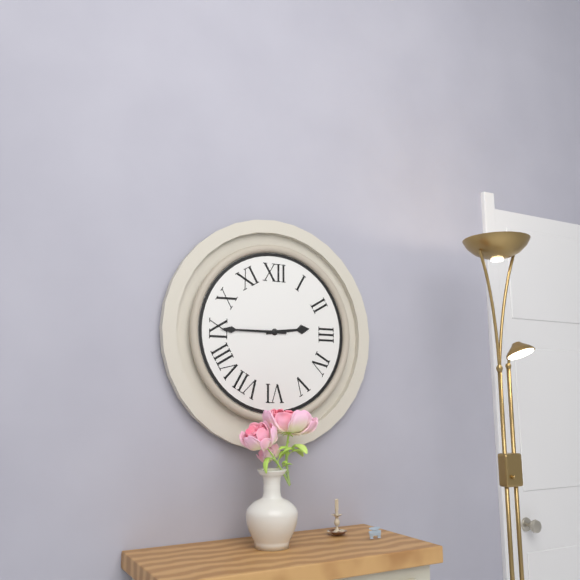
2:45
